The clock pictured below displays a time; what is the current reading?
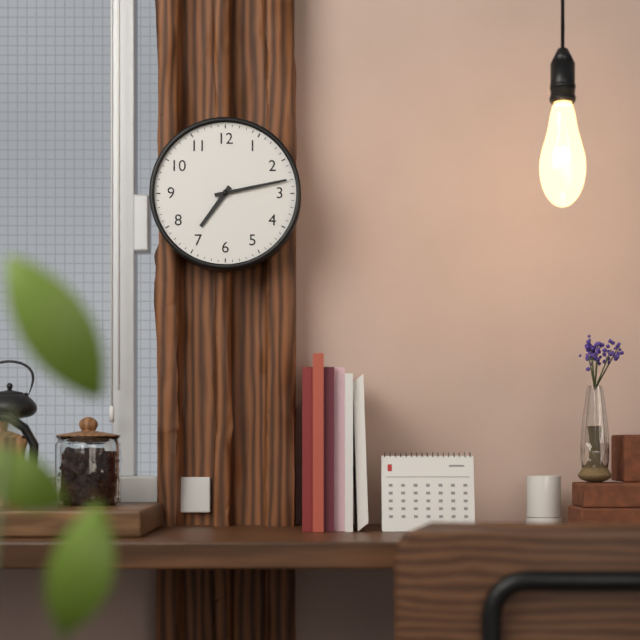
7:13
